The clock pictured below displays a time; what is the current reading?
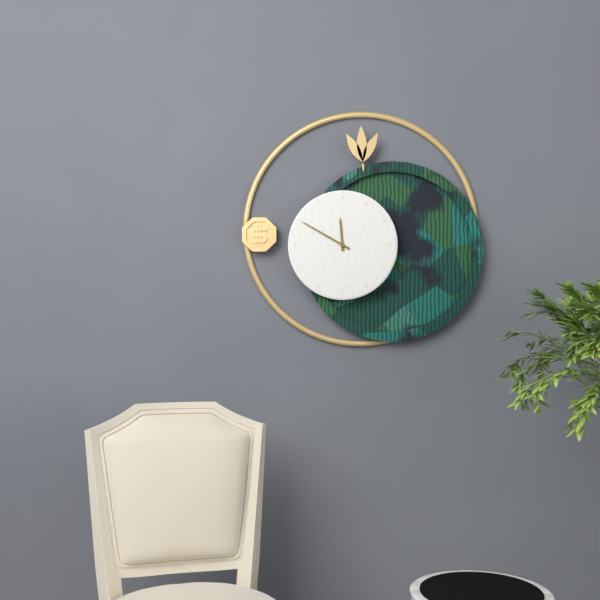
11:50
